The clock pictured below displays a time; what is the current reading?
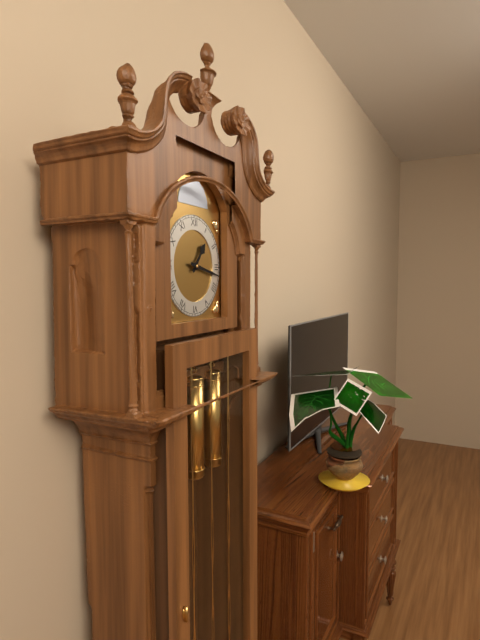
1:17
